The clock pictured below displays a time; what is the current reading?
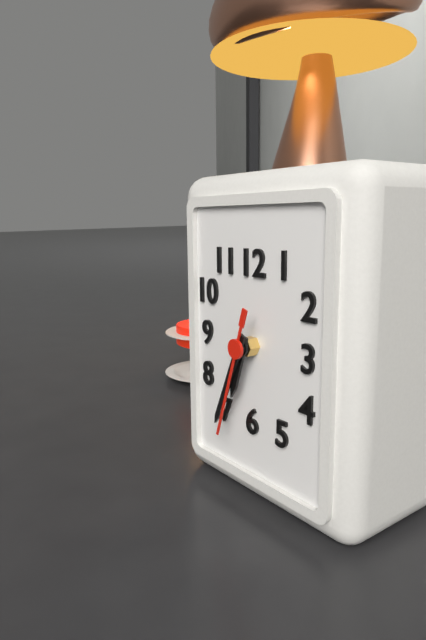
6:34:33
